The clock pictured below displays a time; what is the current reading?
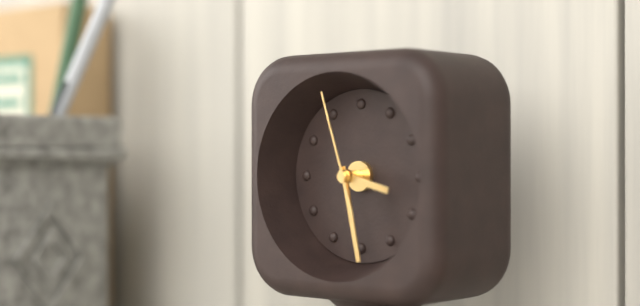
3:28:57
